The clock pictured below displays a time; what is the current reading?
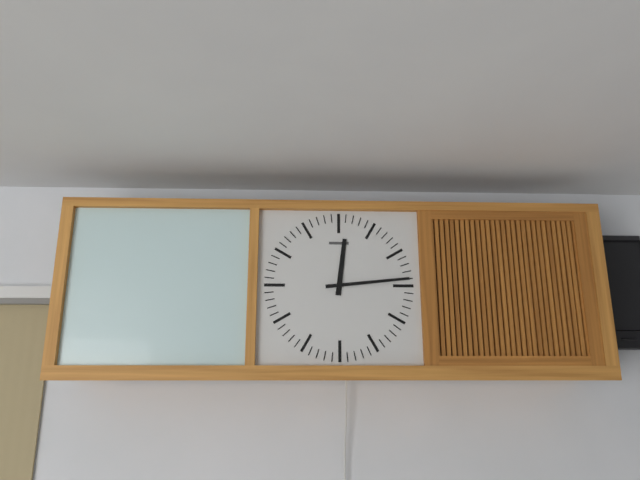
12:14
